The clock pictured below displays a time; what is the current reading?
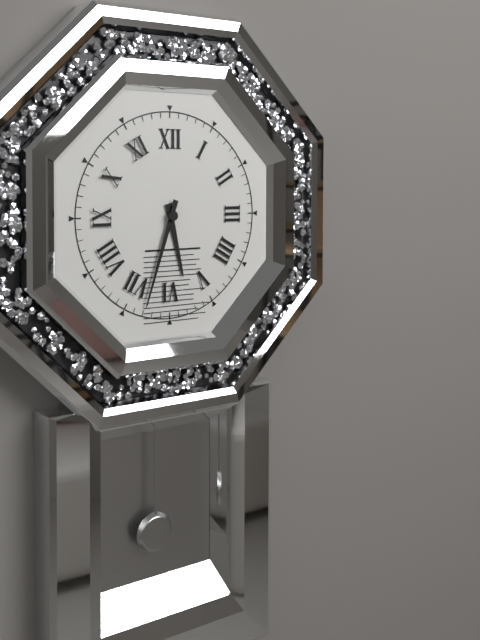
5:33
